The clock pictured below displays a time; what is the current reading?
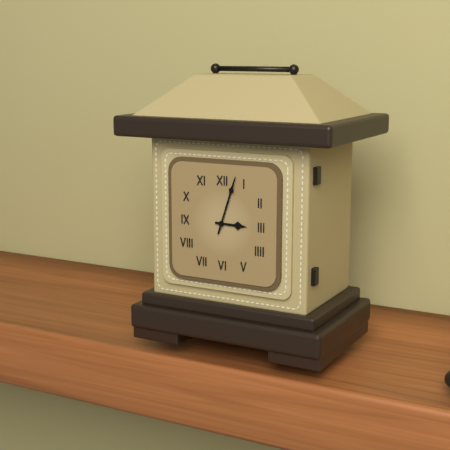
3:03
